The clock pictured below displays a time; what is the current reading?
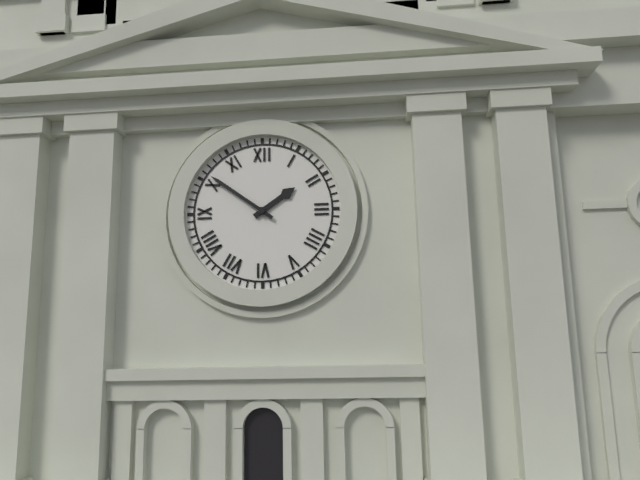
1:51
